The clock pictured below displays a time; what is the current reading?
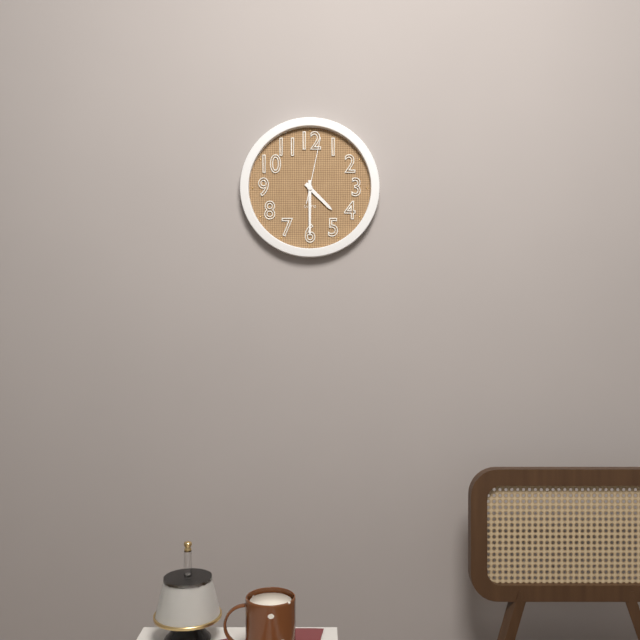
4:30:02
